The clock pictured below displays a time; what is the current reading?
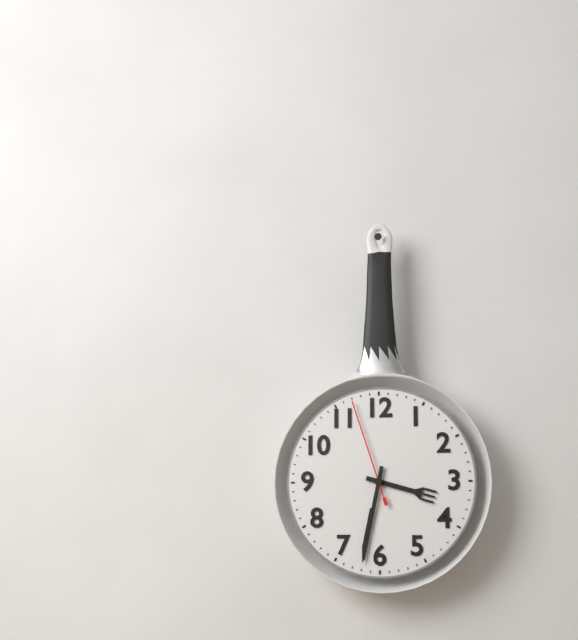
3:32:57
